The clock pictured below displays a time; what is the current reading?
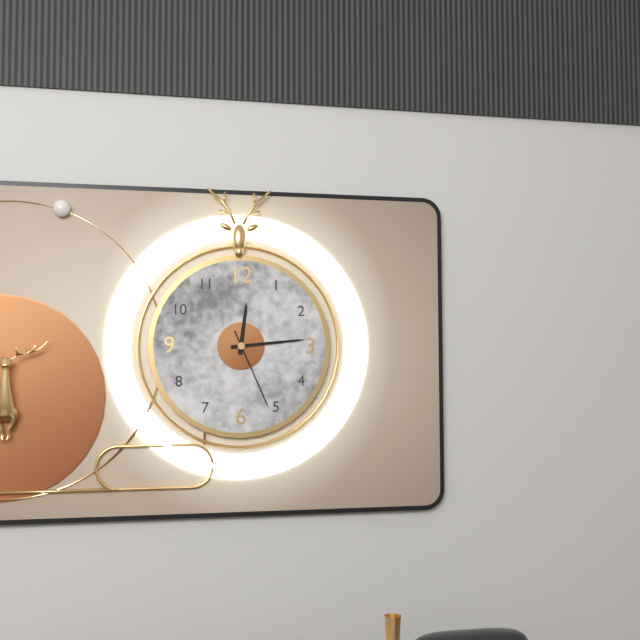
12:14:26
